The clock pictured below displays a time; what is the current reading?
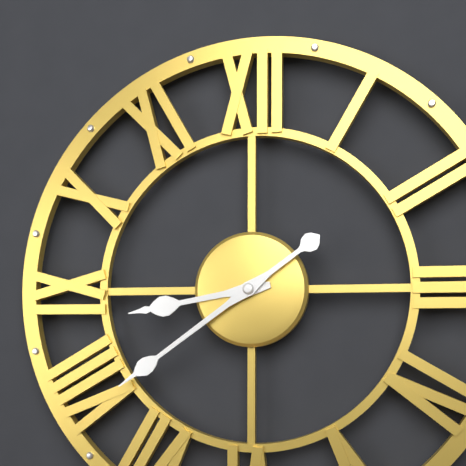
8:39
